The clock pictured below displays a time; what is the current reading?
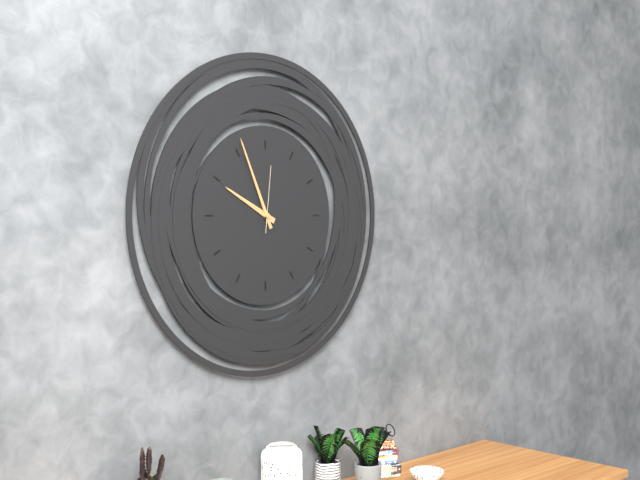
9:56:01
